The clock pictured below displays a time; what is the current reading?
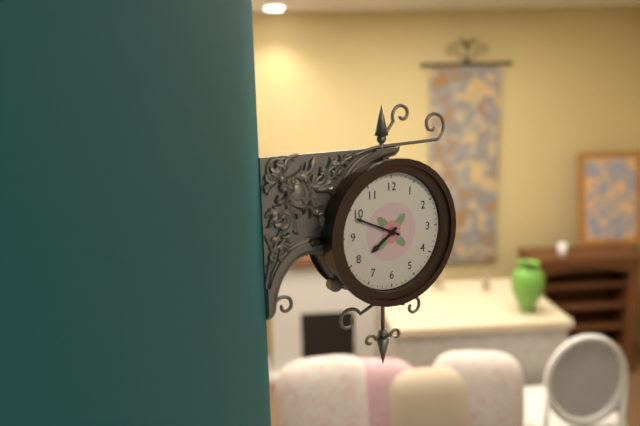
7:49
